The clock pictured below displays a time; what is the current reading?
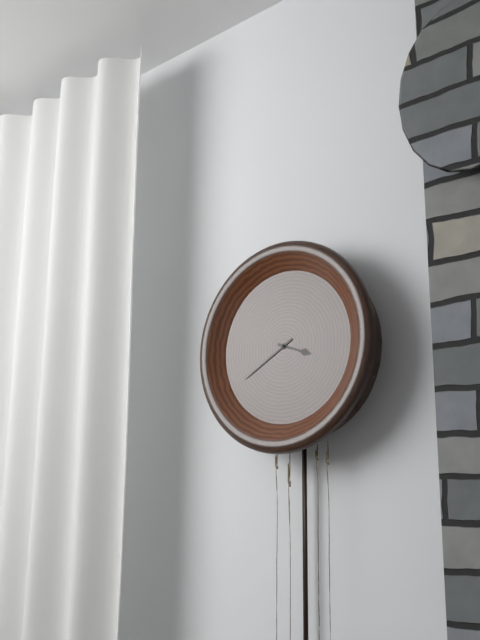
3:40
